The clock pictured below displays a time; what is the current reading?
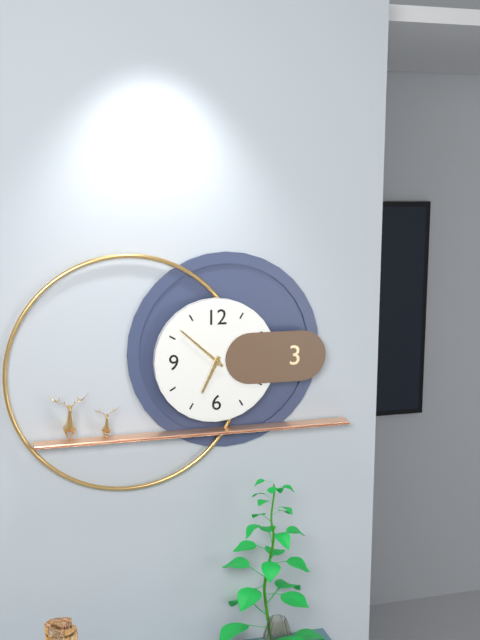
6:52
